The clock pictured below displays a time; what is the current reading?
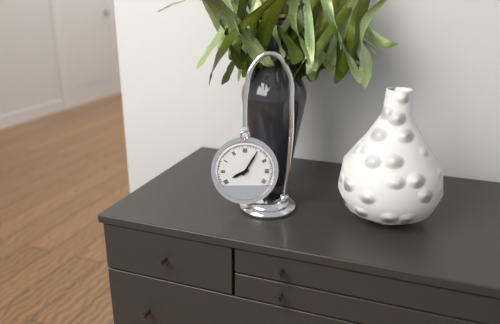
8:05
